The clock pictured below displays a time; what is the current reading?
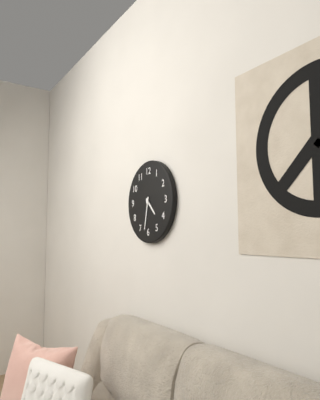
4:32
